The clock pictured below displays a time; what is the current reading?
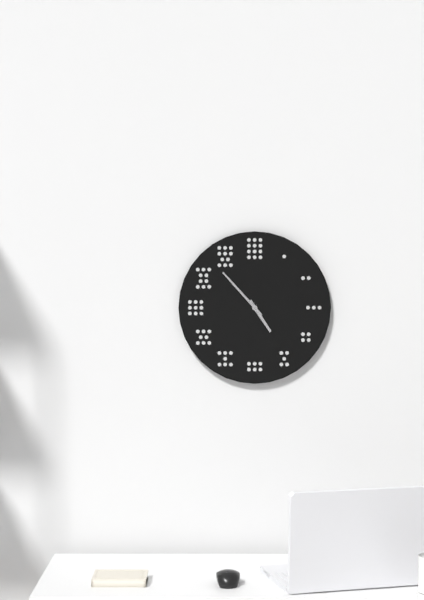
4:53
